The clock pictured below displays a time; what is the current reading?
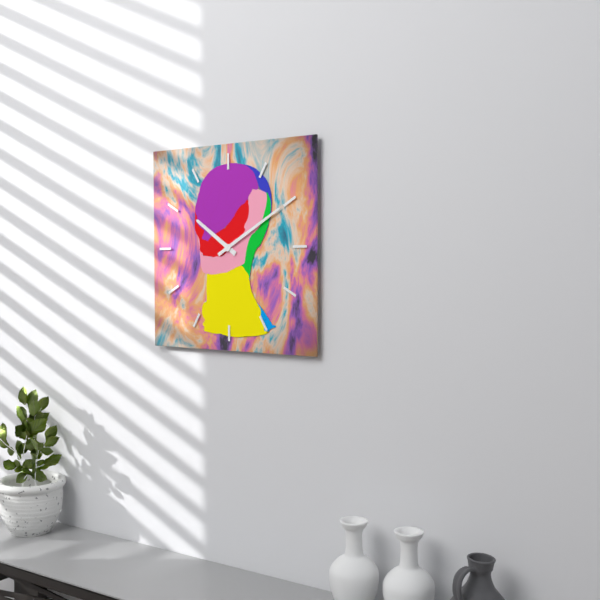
10:10
